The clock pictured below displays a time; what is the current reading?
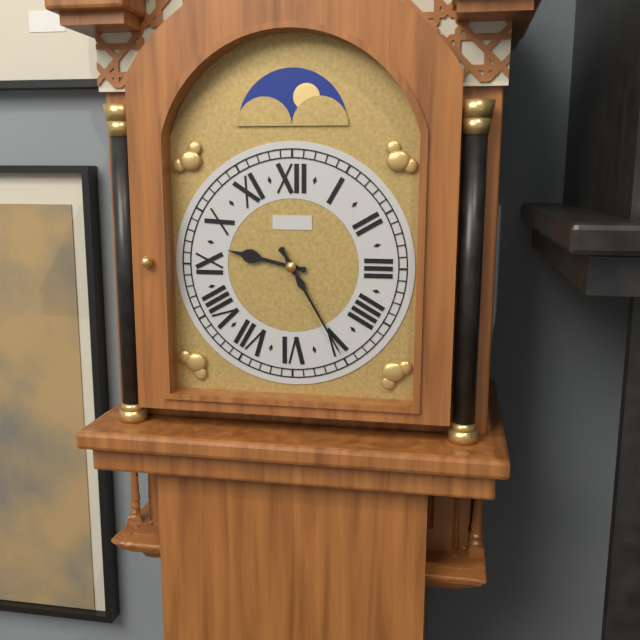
9:25
